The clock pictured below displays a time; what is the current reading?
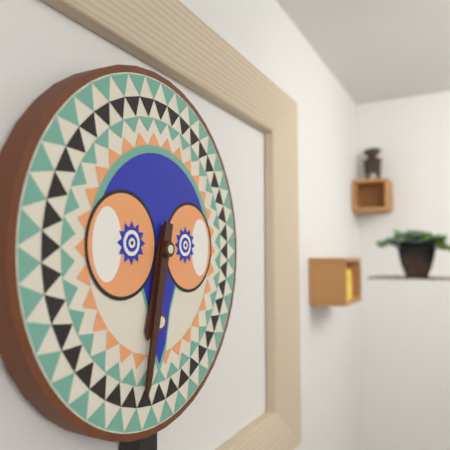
6:32
